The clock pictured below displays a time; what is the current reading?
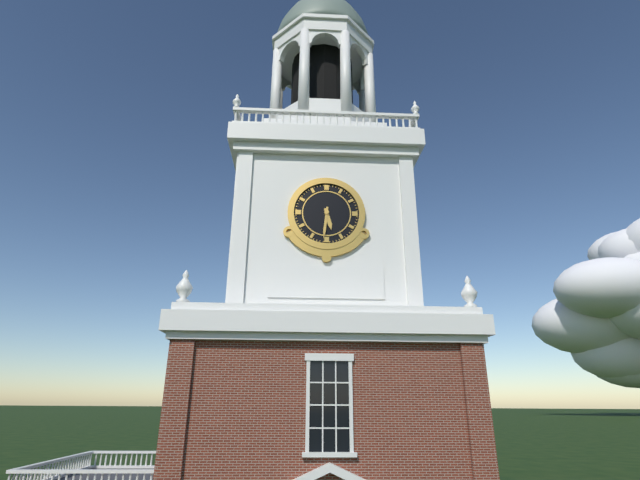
5:31
